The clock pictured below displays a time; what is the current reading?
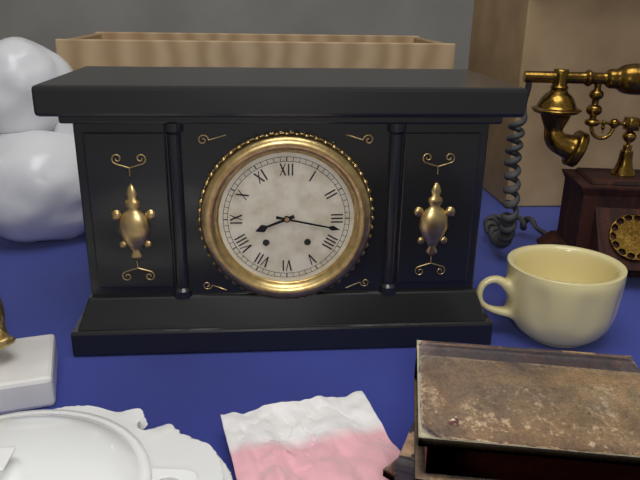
8:17
